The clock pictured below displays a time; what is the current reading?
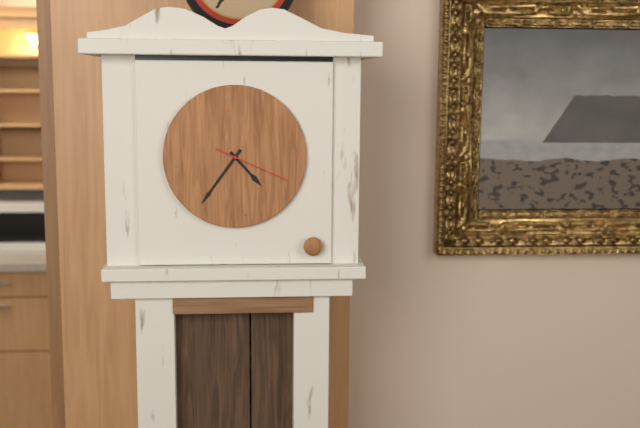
4:36:19
